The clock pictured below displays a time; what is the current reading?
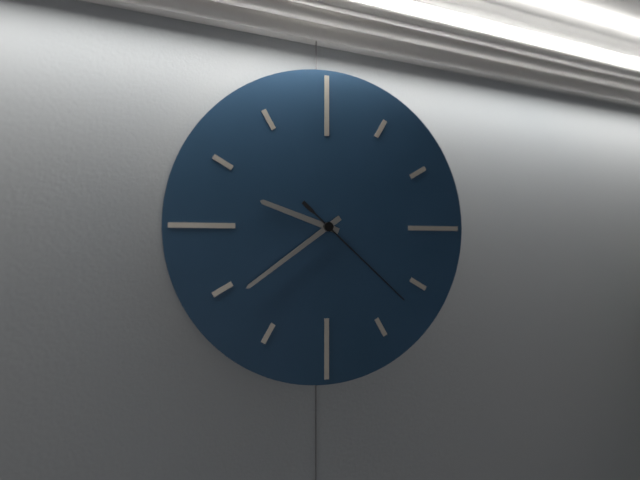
9:39:22
